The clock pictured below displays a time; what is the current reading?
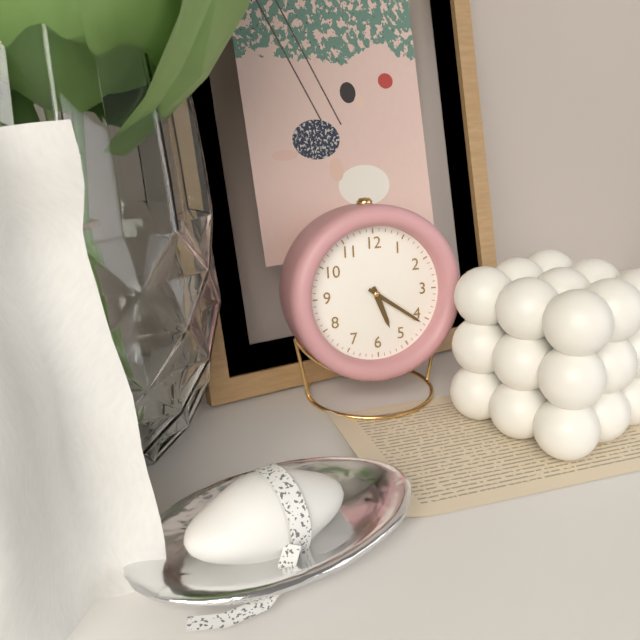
5:21
